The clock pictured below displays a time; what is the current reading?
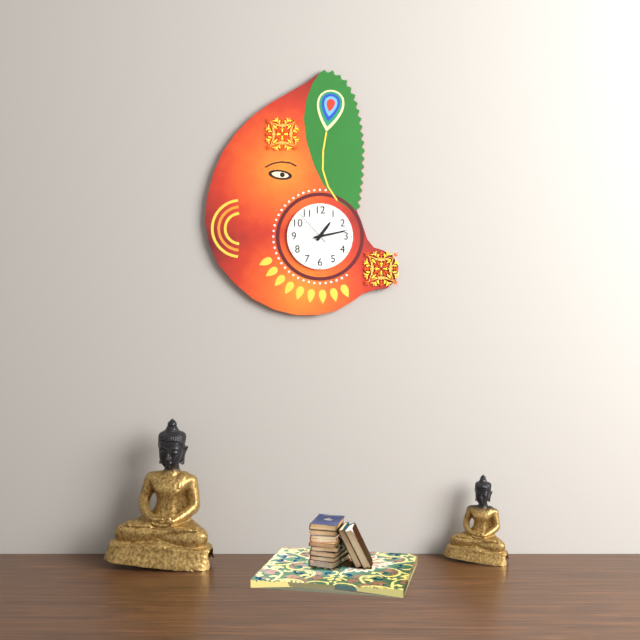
1:13
